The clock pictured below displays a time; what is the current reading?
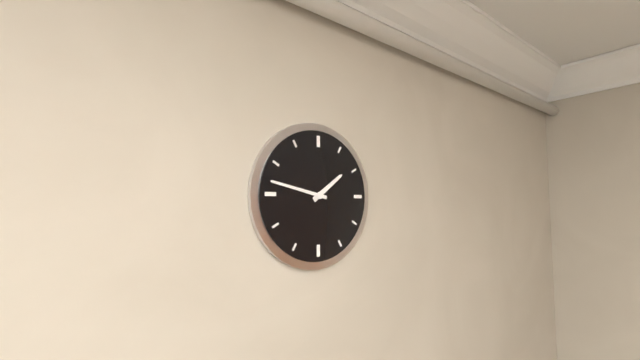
1:47
